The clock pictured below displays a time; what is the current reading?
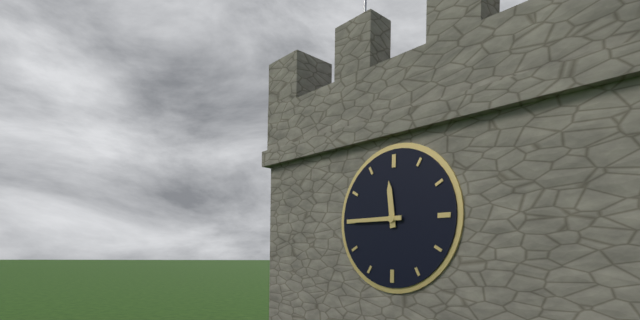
11:45
